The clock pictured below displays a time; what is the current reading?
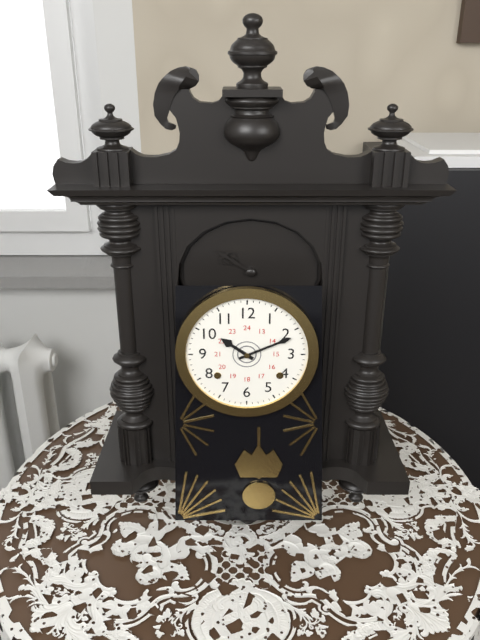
10:11
